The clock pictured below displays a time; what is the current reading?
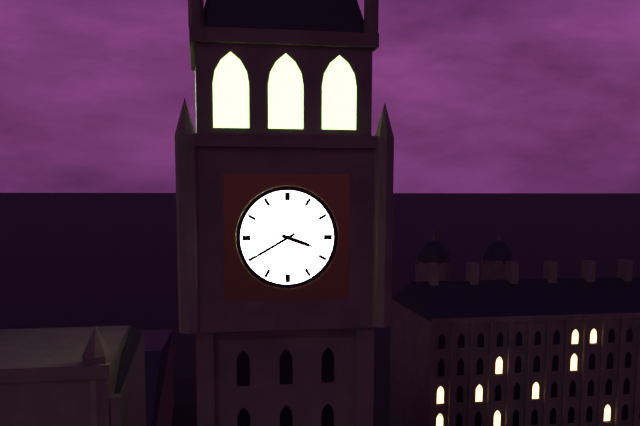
3:40
